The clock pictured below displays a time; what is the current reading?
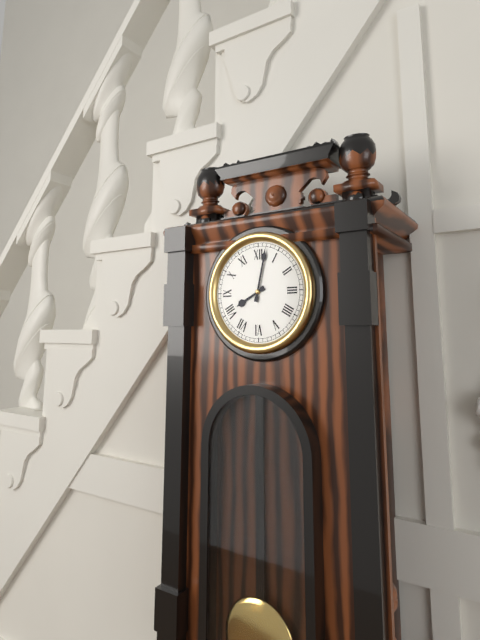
8:02
